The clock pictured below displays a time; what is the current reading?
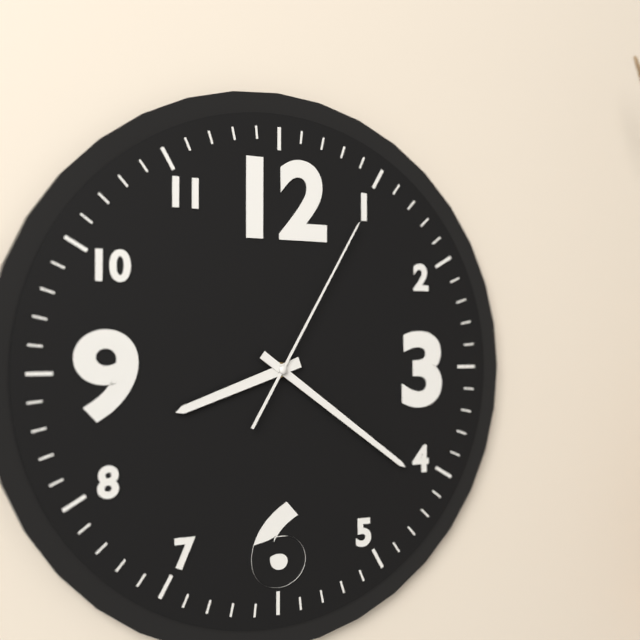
8:21:05
